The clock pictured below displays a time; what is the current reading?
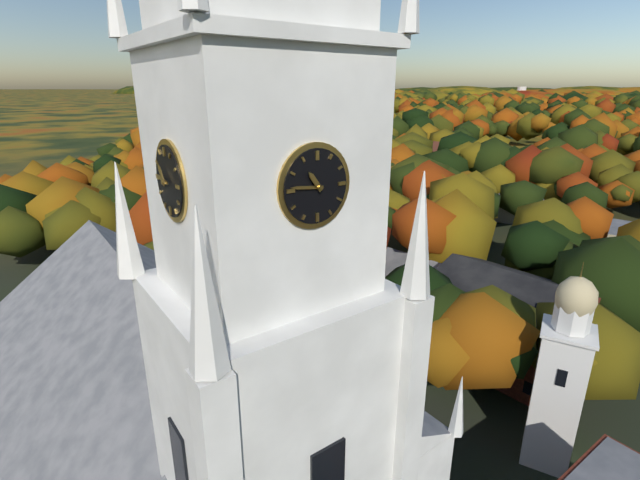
10:46
